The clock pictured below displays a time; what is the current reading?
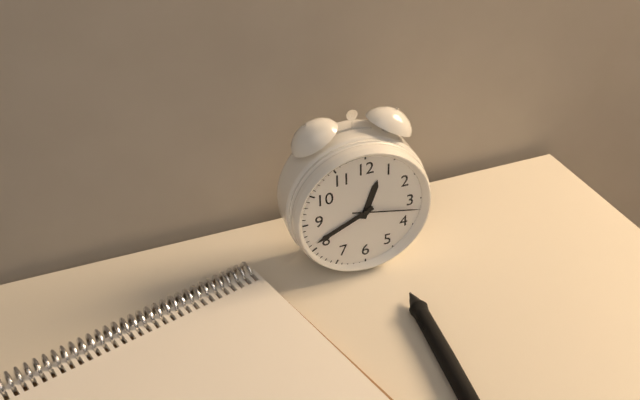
12:41:17
